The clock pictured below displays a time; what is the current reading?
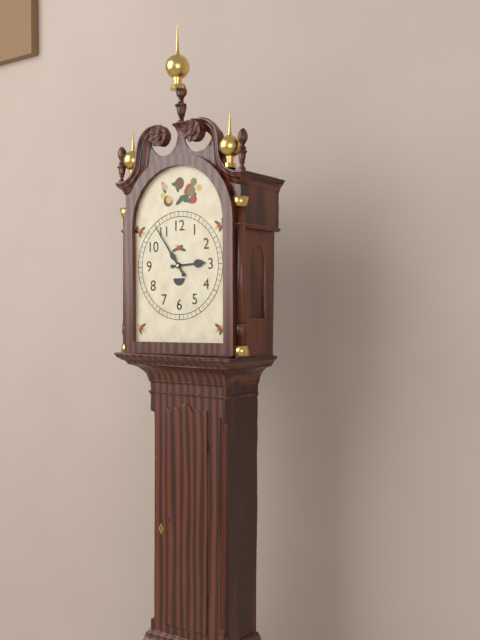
2:54
